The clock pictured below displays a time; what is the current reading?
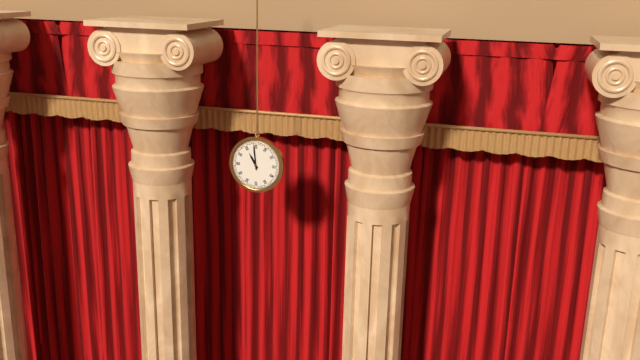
10:59
